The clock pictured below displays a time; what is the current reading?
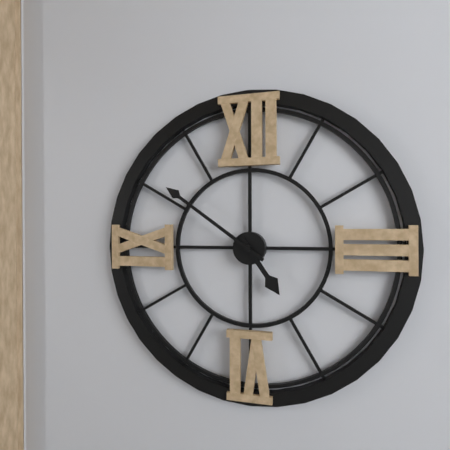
4:51
